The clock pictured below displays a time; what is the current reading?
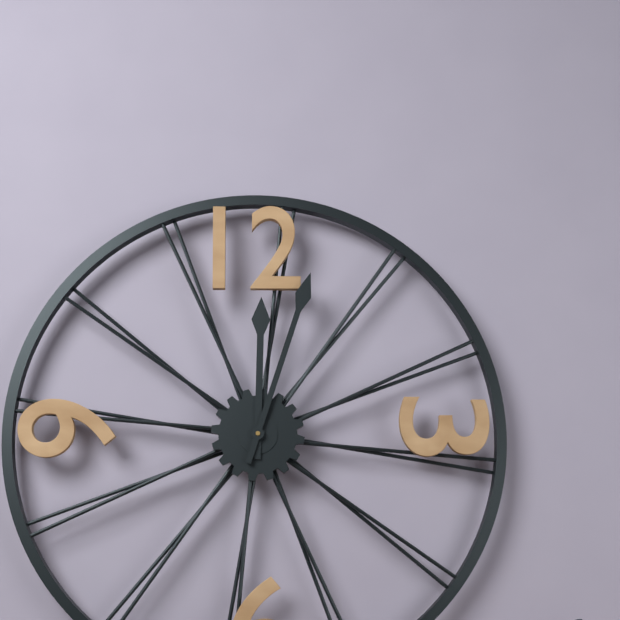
12:03
